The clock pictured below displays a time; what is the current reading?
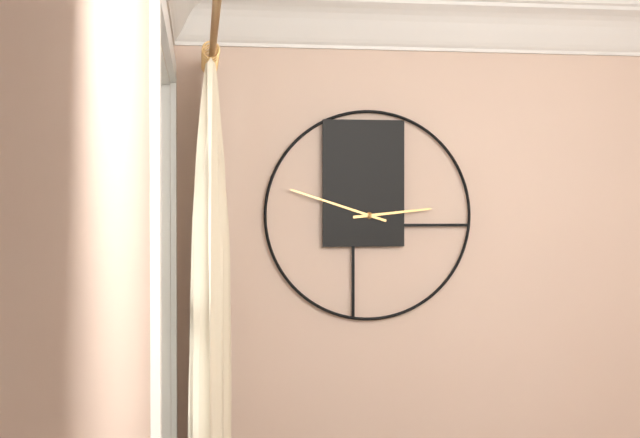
2:48
